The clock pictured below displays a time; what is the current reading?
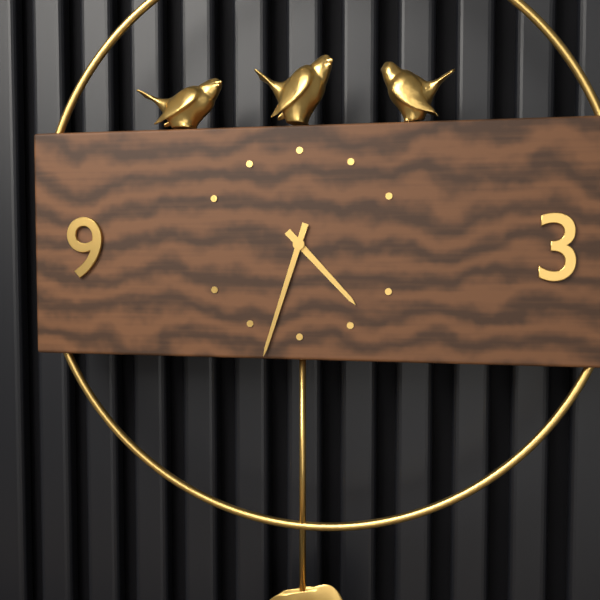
4:33
